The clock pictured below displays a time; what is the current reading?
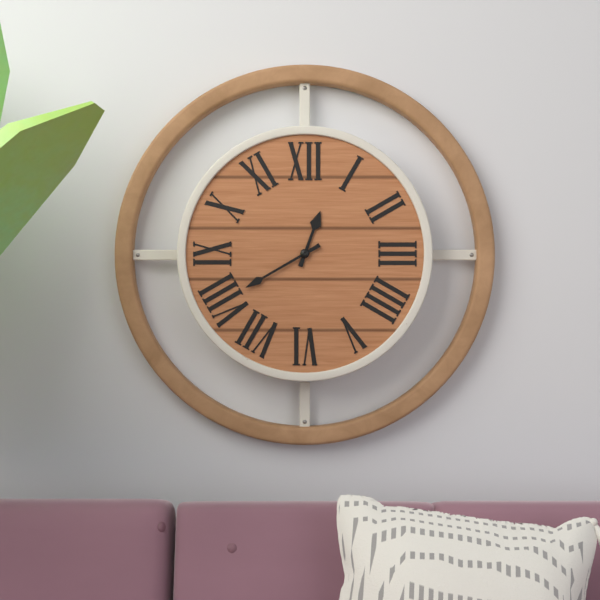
12:40
